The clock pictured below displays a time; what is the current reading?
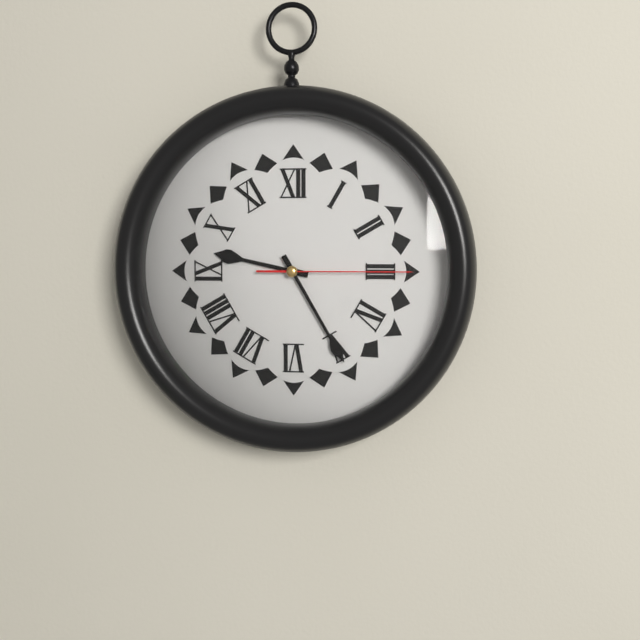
9:25:15
